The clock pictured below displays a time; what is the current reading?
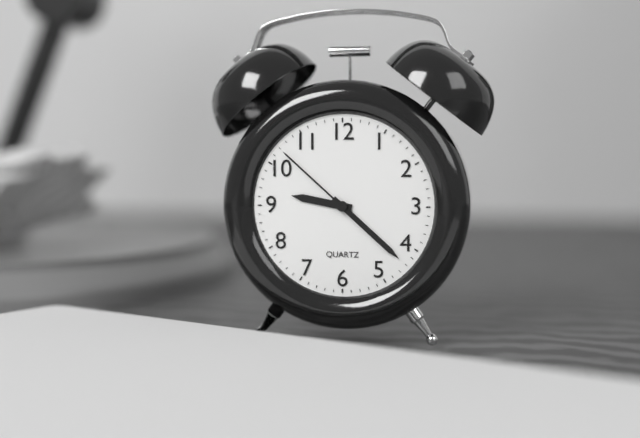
9:22:52
